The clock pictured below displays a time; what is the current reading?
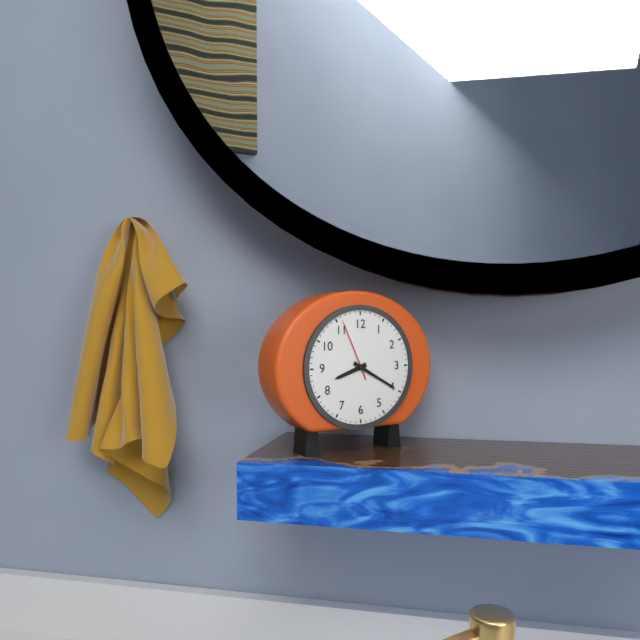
8:20:56
